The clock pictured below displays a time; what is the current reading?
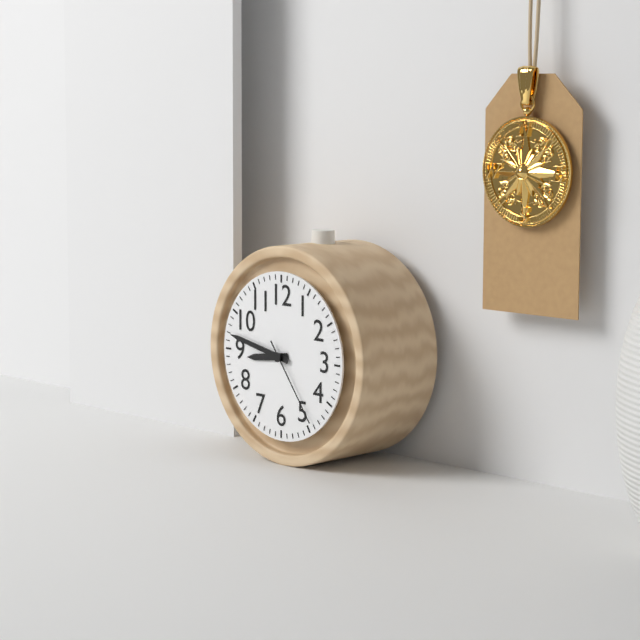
8:47:24
